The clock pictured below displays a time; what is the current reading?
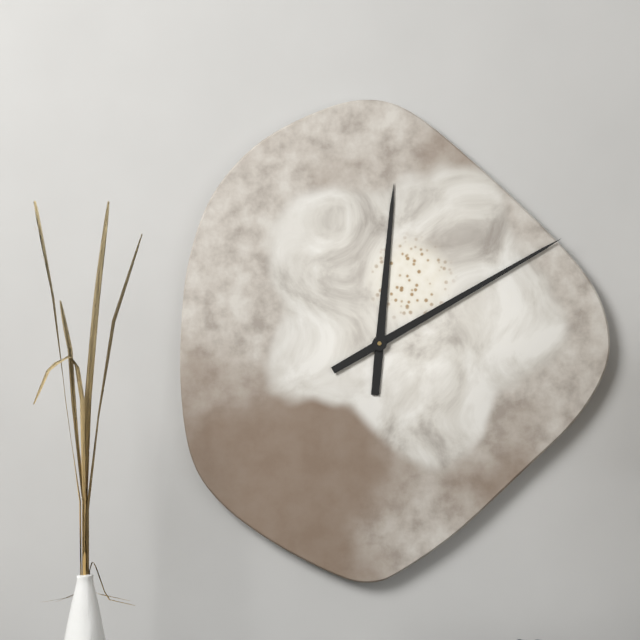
12:10
